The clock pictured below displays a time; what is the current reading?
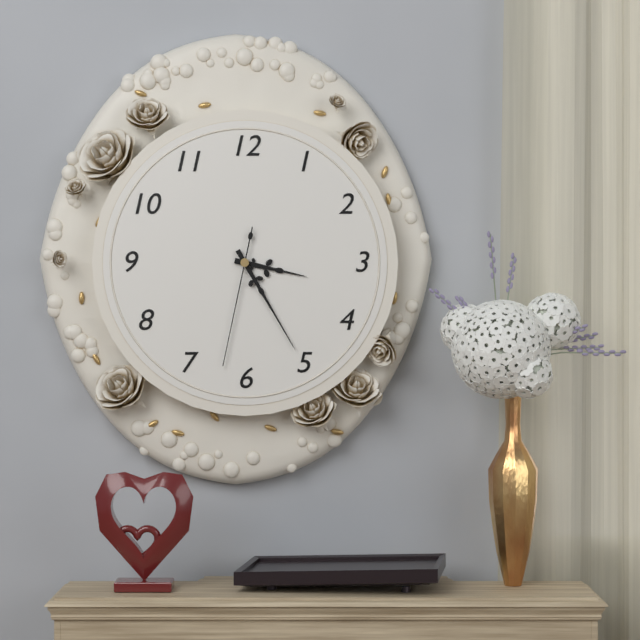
3:25:32
